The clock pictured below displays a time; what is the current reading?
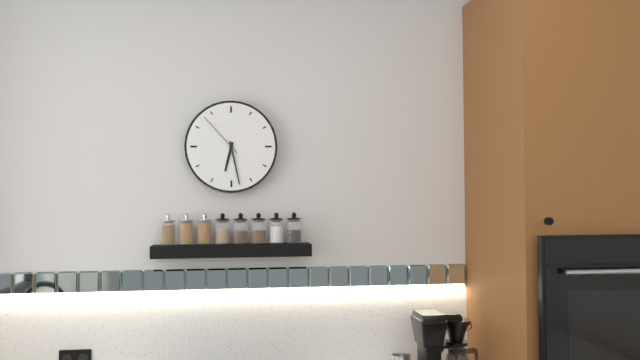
6:28:53
